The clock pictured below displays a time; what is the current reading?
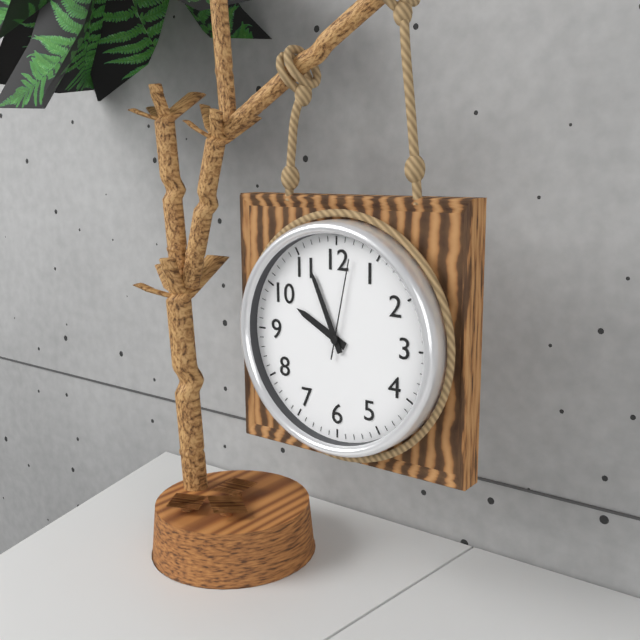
9:56:02
